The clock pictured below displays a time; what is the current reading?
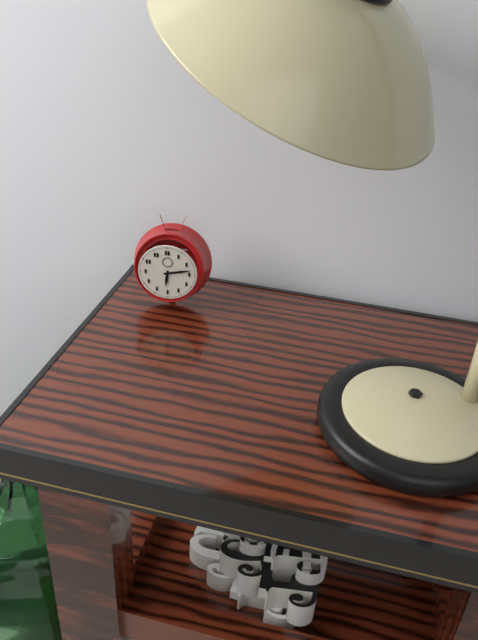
6:13
